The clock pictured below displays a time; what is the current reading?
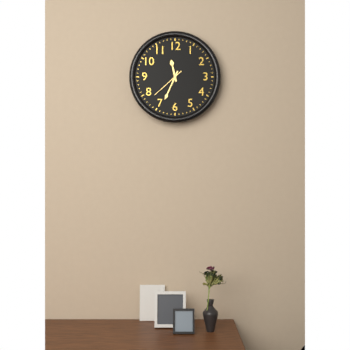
11:34
